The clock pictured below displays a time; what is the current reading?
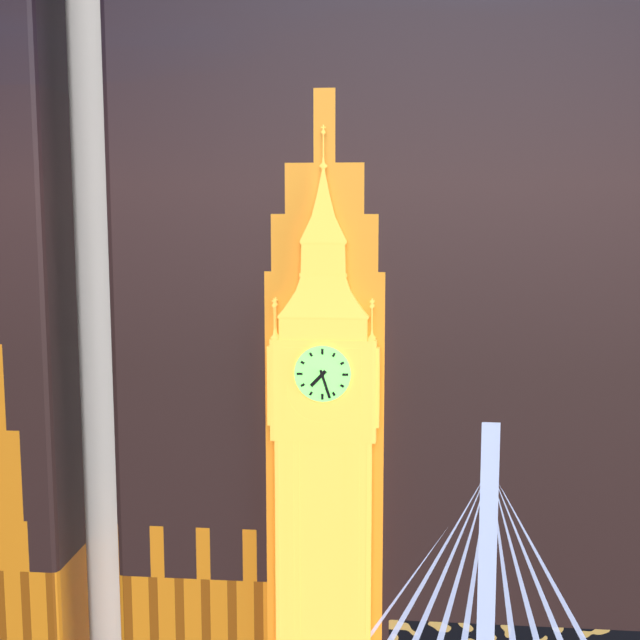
7:27
